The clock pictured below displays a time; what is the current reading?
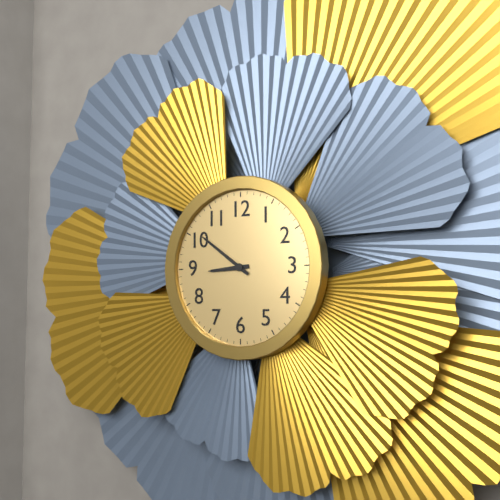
8:51
